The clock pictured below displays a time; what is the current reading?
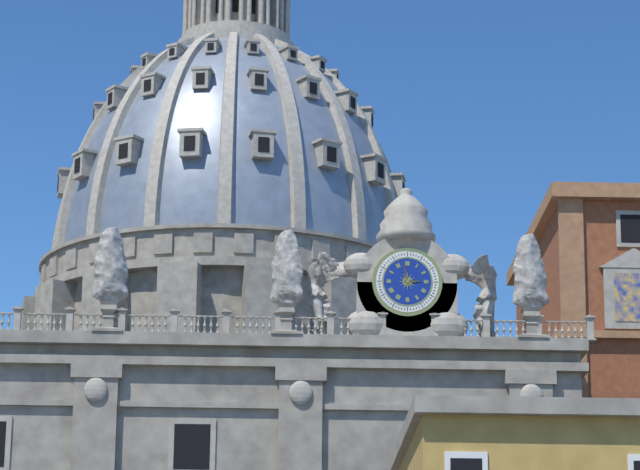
2:58
